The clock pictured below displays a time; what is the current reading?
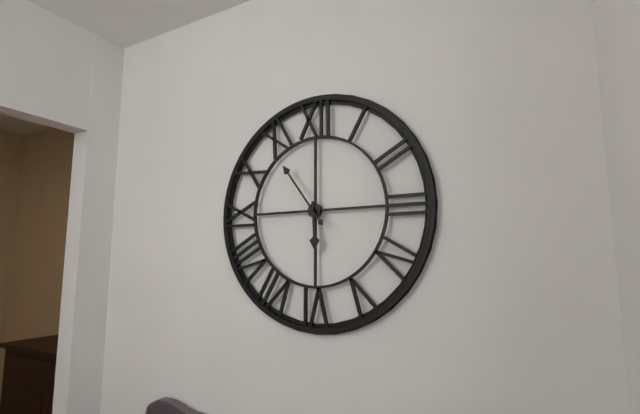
5:54
